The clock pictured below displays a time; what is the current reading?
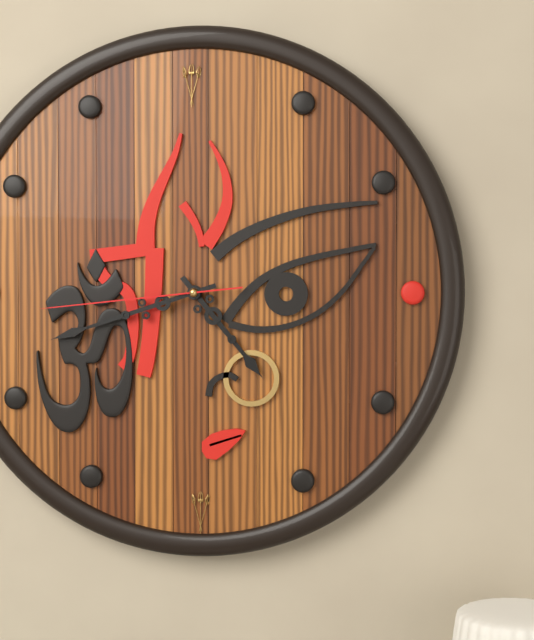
4:42:44
